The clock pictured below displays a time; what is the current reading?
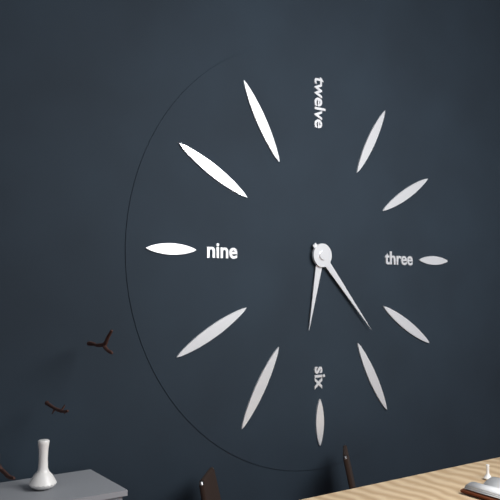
6:23
